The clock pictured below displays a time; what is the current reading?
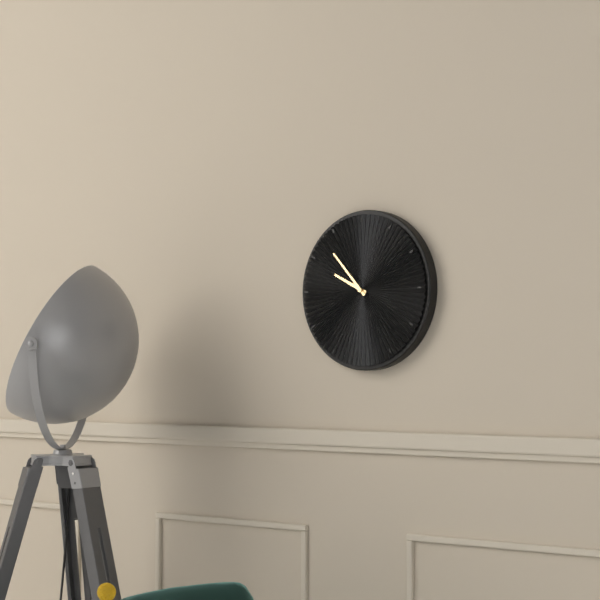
9:53
